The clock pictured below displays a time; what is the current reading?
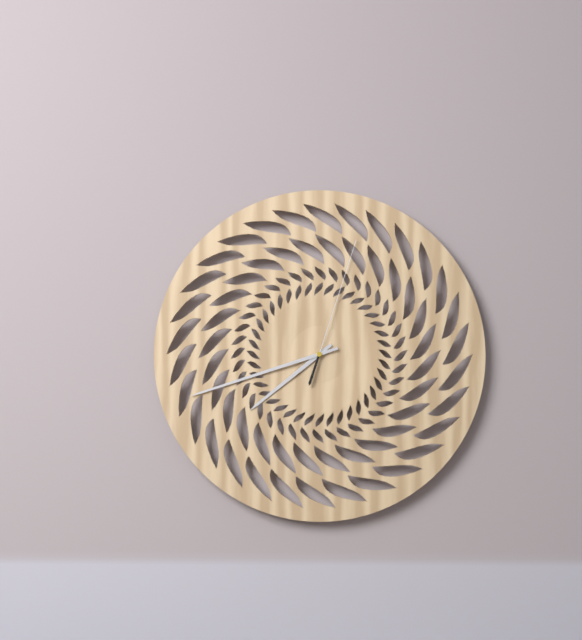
7:42:03
